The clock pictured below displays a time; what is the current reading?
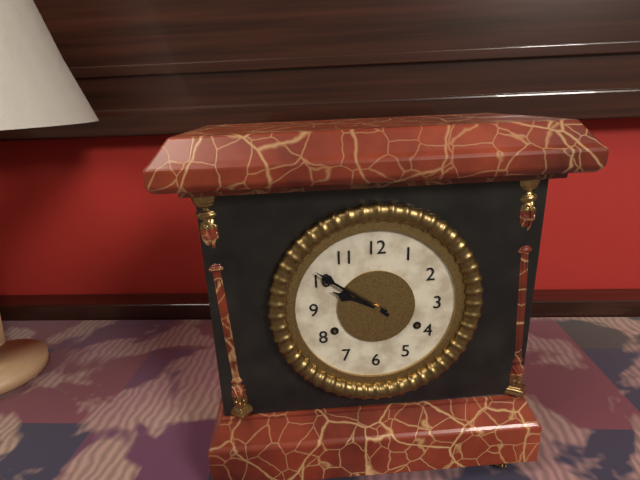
9:51
